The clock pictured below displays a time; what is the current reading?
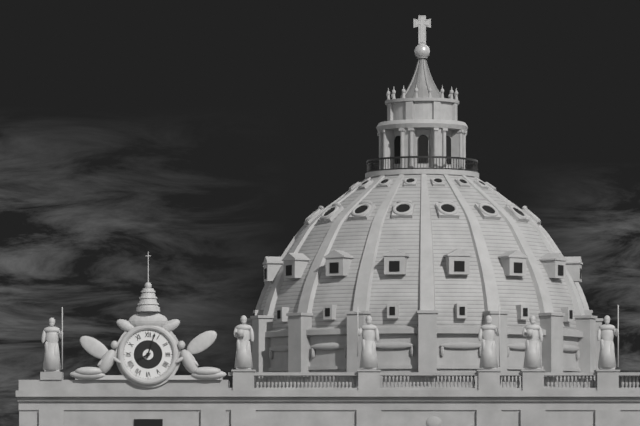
8:03
